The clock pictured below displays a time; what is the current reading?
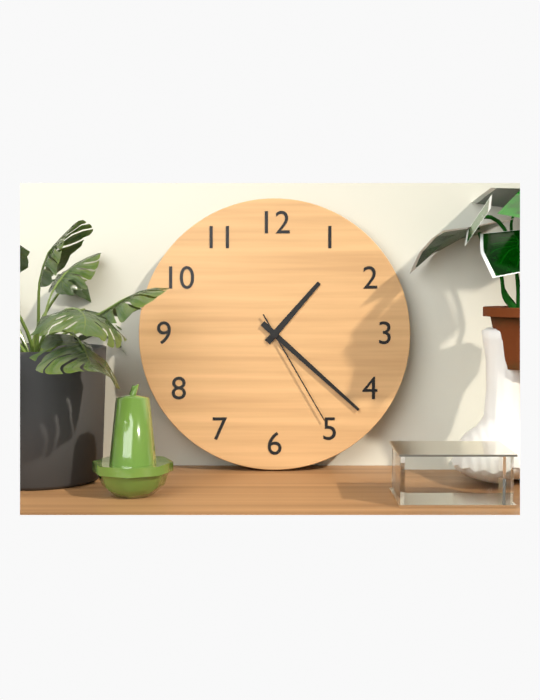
1:22:25
